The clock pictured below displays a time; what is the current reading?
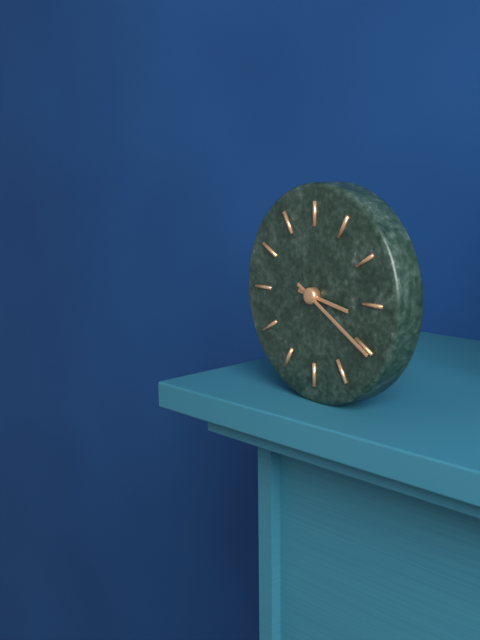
3:20
